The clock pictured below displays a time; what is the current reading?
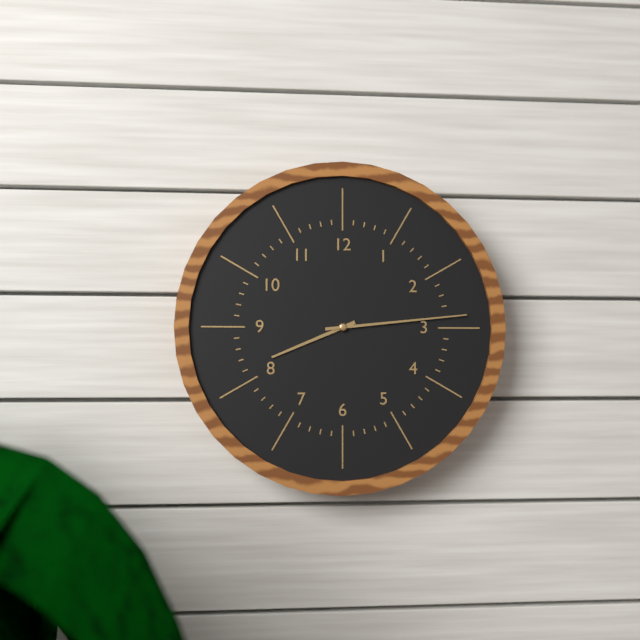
8:14
